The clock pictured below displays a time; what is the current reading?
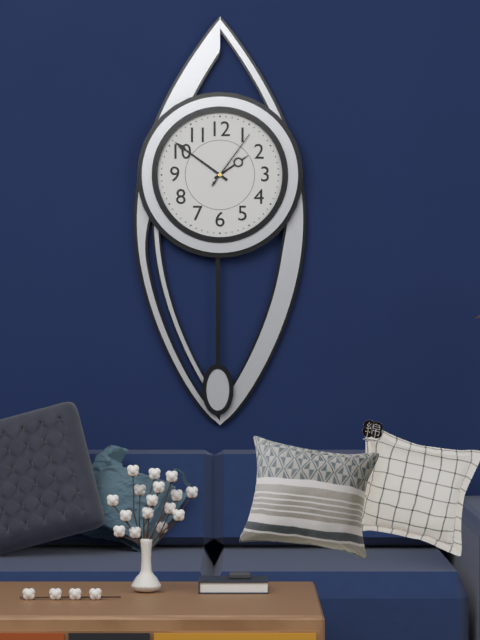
1:51:06
